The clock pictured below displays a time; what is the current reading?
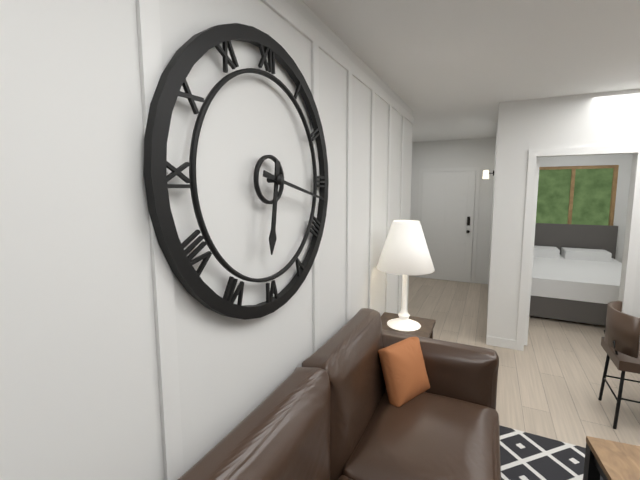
6:17
